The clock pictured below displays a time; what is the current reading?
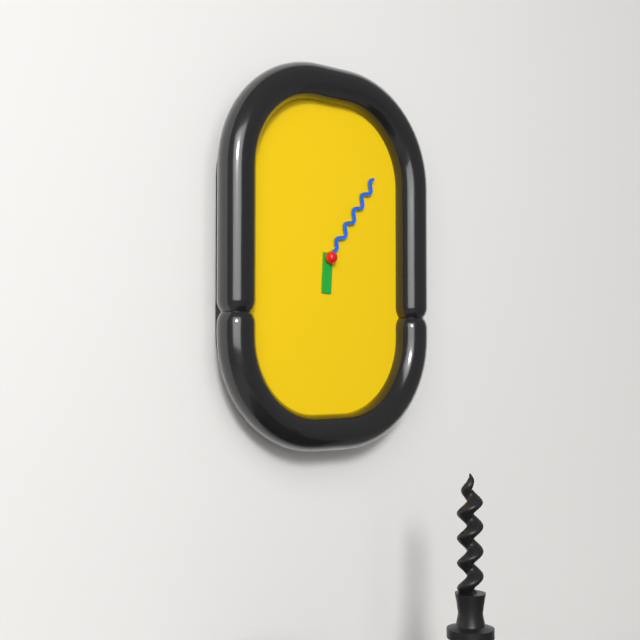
6:06
